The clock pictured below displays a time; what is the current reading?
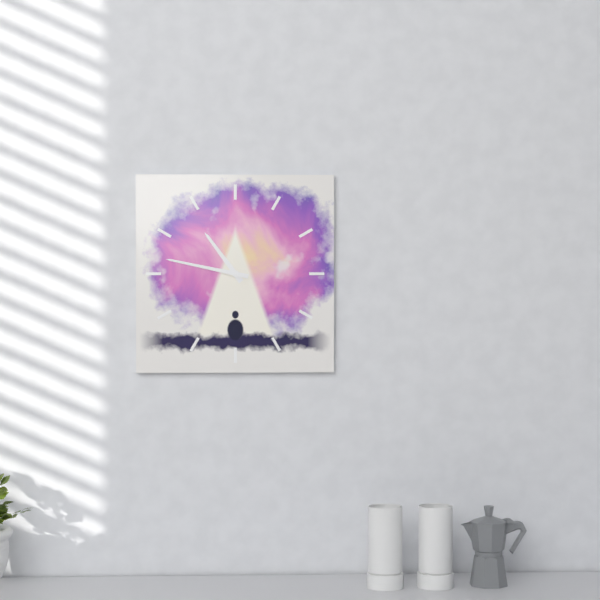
10:47
